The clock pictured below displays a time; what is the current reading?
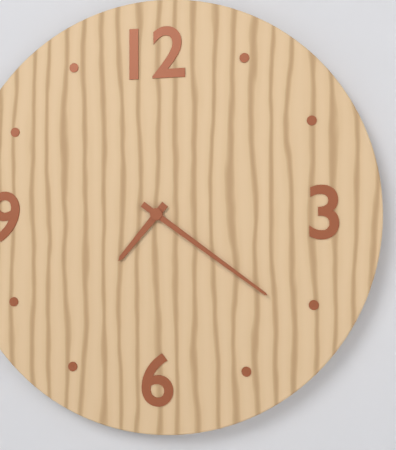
7:21
